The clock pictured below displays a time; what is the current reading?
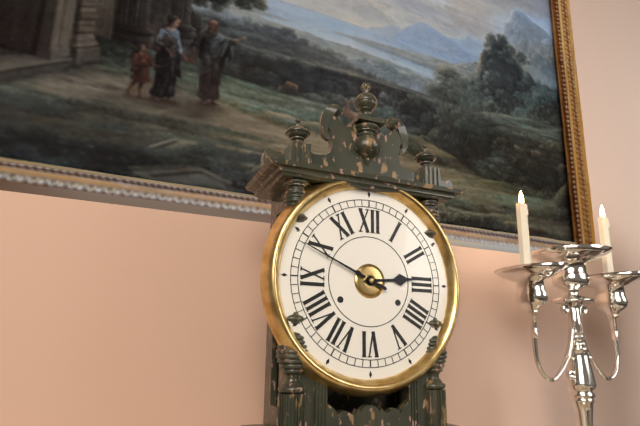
2:49
